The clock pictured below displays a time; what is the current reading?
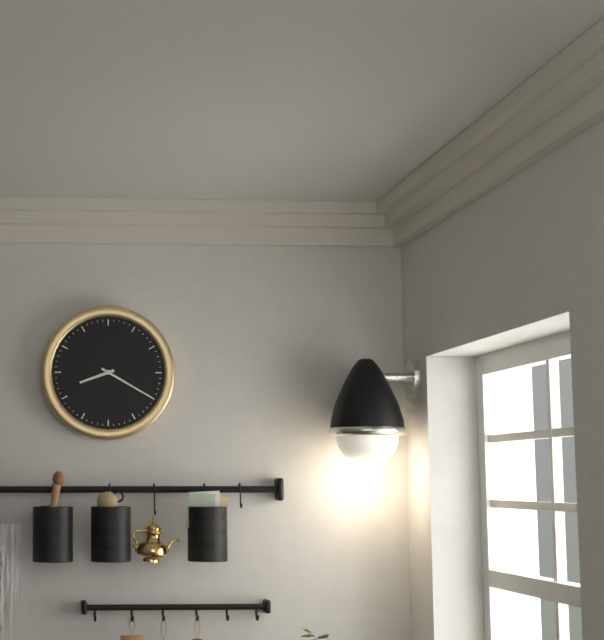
8:20
